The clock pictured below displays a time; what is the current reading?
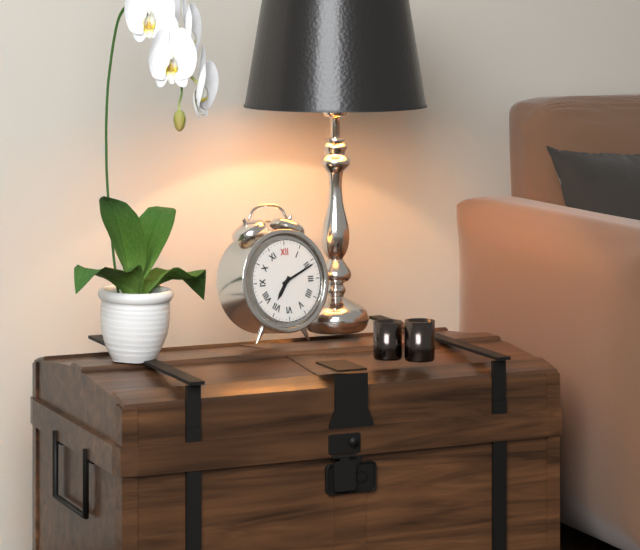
7:11
